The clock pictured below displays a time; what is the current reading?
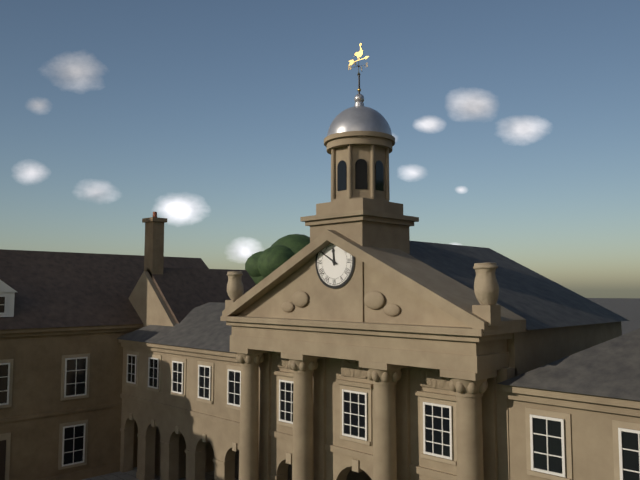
11:50
